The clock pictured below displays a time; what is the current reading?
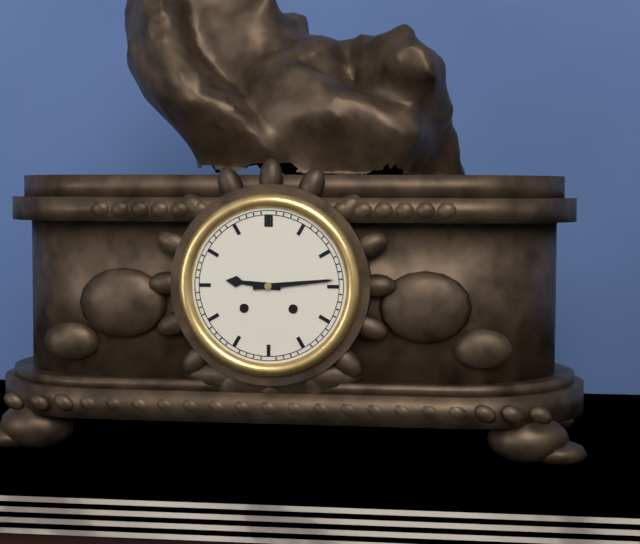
9:14
